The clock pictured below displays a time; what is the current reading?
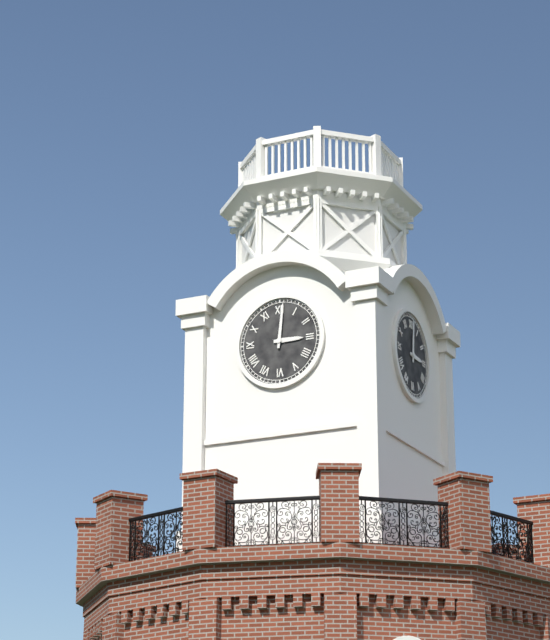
3:01
